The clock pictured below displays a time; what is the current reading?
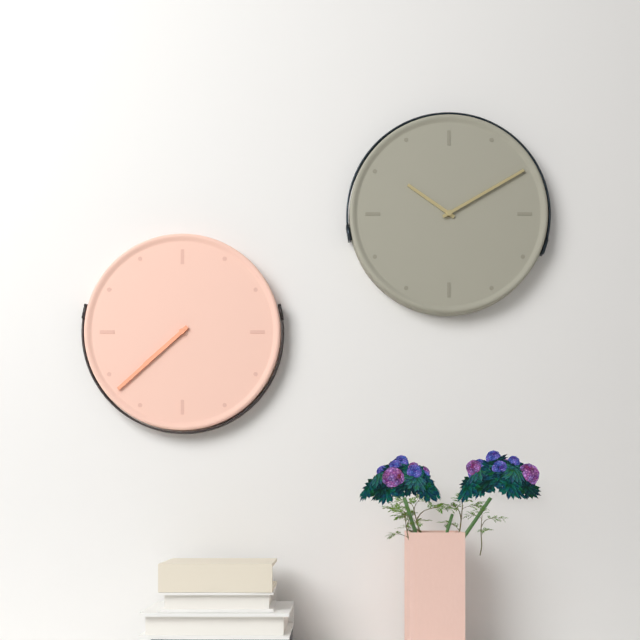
7:38
